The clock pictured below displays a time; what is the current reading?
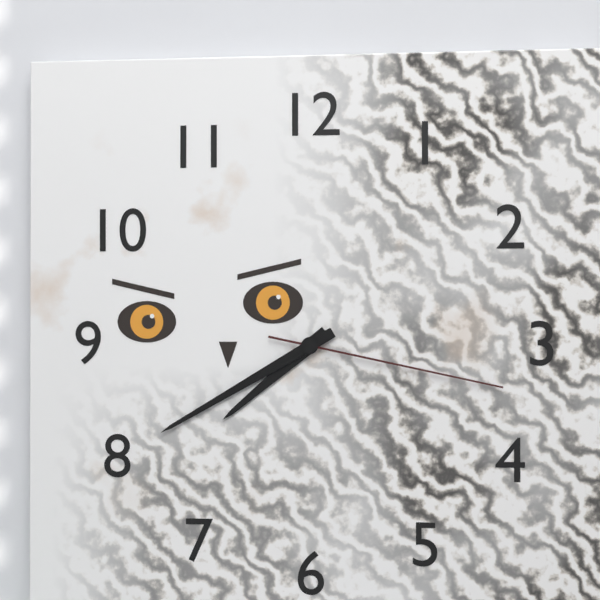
7:40:17
